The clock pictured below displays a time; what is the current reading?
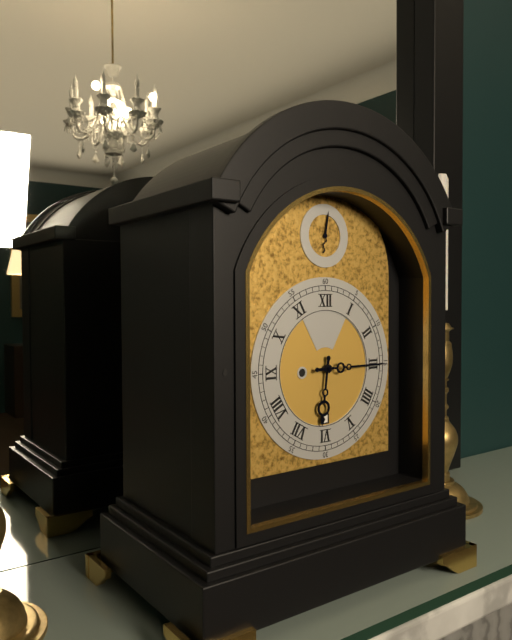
6:15
